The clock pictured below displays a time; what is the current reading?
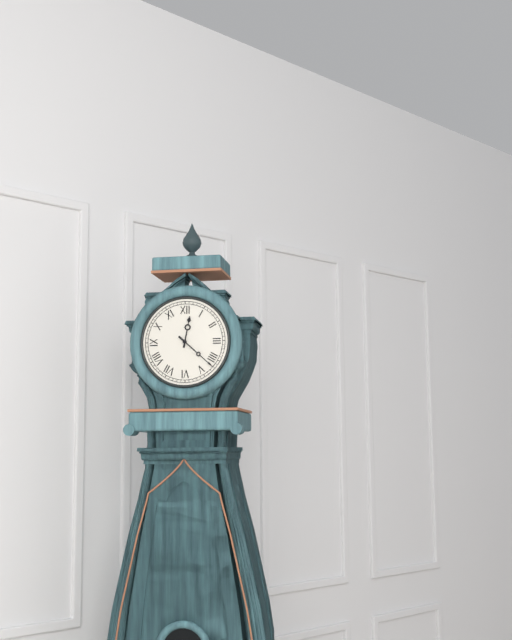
12:22
